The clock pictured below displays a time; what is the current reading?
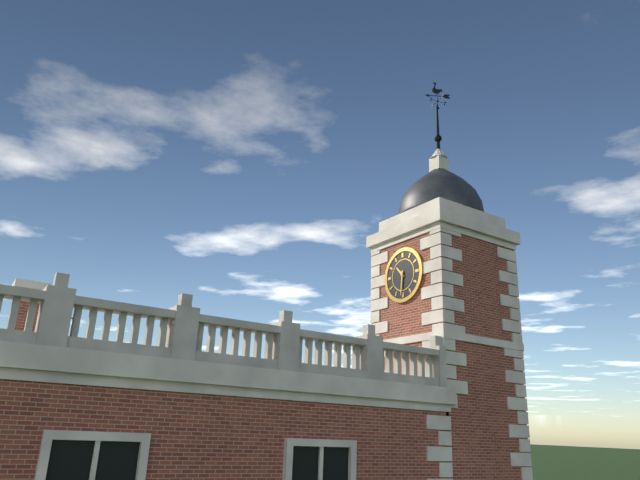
10:31
